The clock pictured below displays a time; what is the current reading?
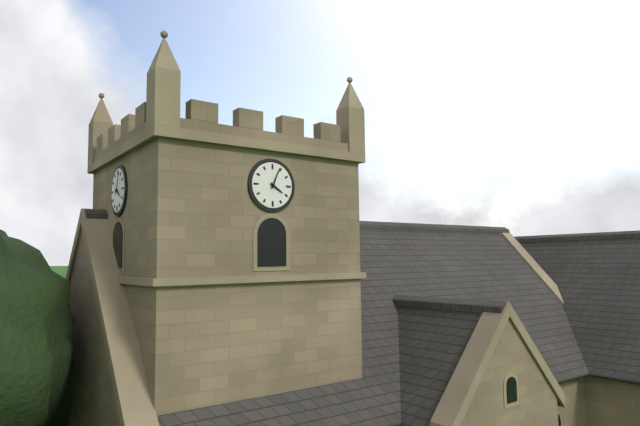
4:04
